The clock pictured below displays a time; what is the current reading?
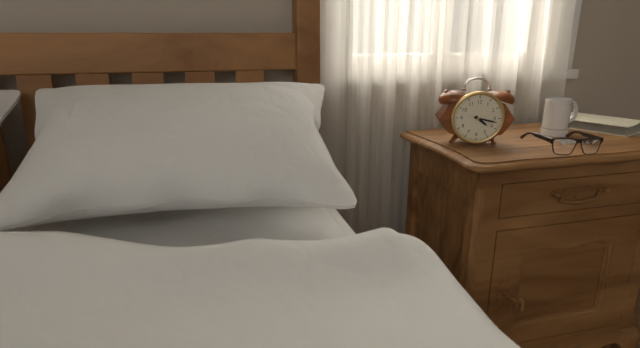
4:17
